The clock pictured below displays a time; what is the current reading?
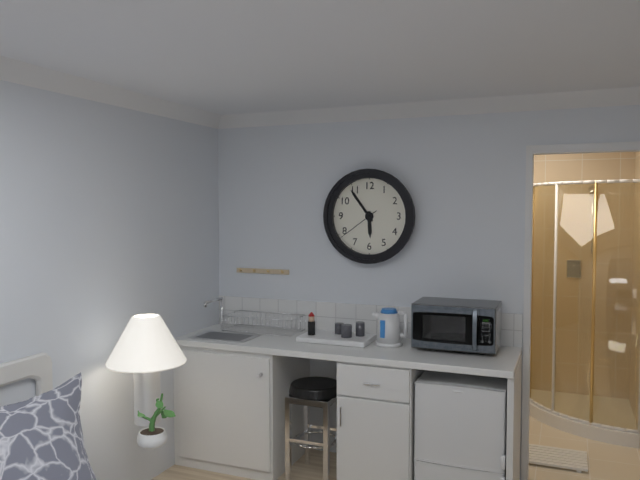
5:54
